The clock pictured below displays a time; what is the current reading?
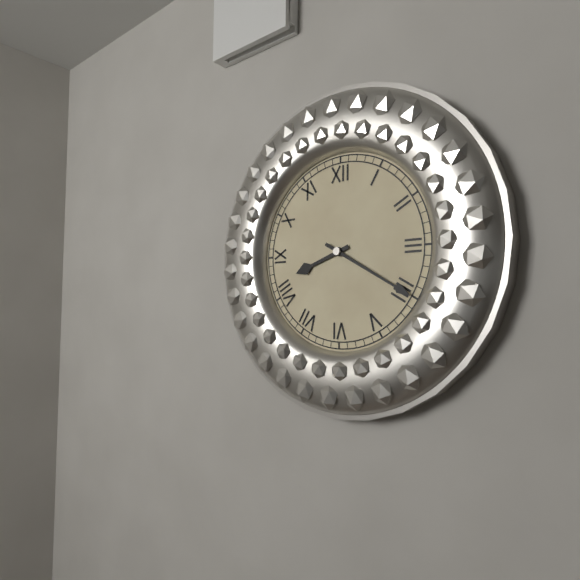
8:20
